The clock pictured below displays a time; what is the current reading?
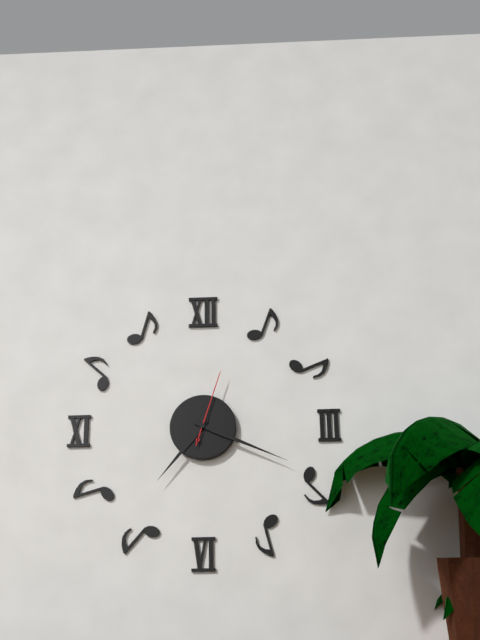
7:19:03
